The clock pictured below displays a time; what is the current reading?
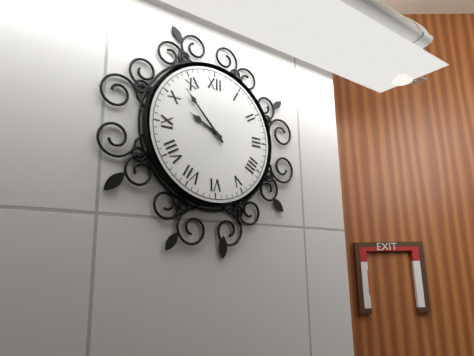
9:53
